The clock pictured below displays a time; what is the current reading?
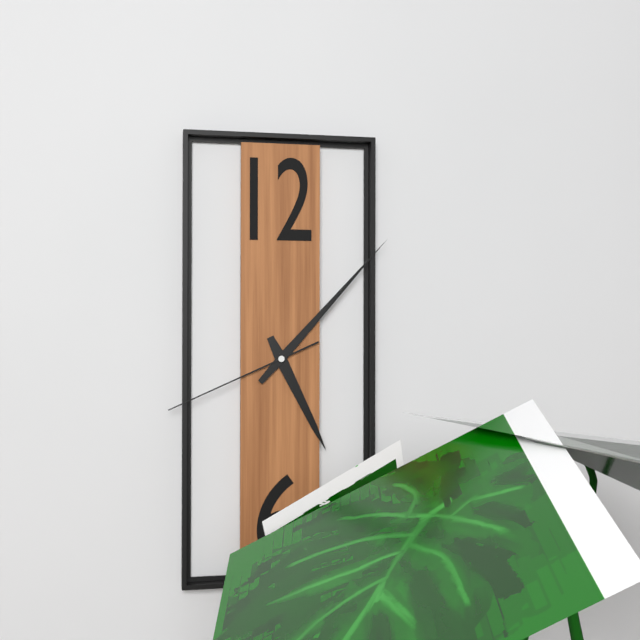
5:07:41
